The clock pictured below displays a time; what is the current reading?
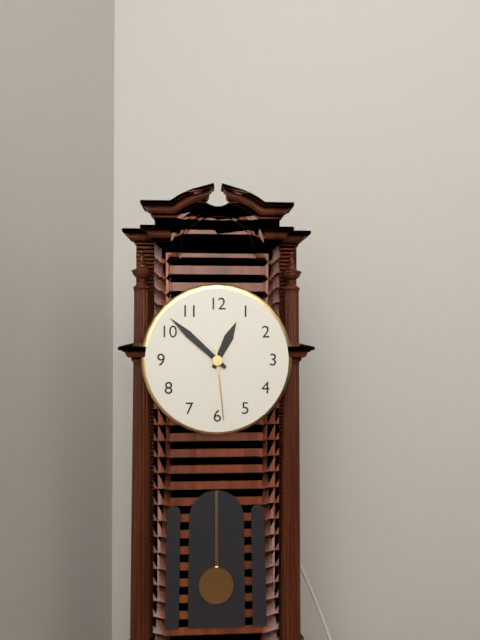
12:52:29
